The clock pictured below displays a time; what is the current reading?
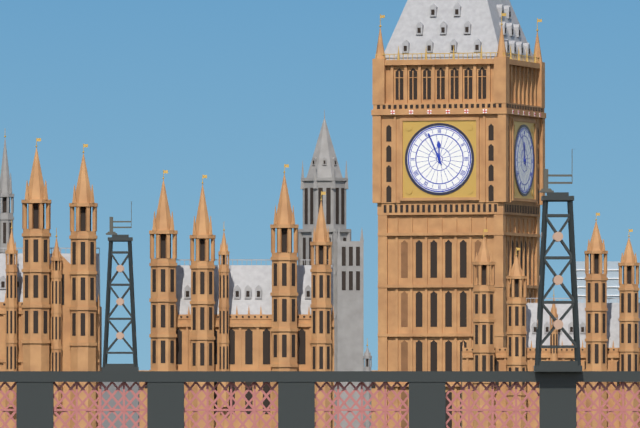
11:56
